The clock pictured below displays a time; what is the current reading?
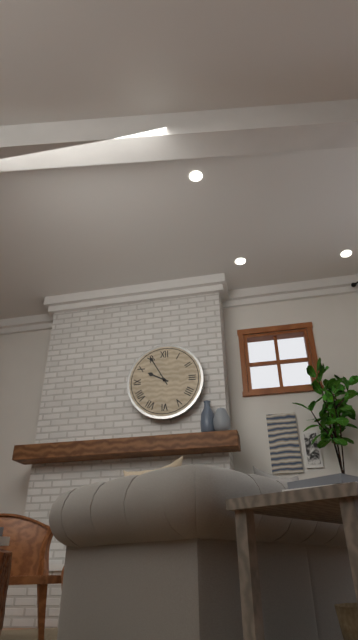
9:55
